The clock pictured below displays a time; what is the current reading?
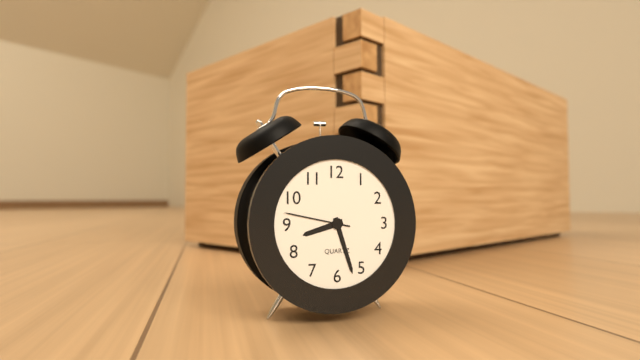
8:27:47
